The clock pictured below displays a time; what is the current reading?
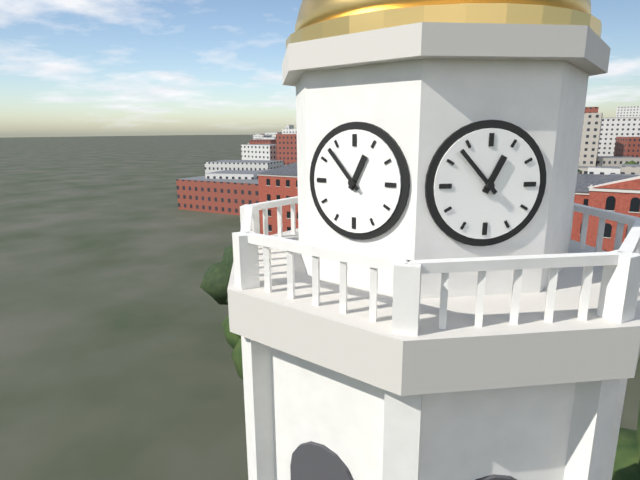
12:53
